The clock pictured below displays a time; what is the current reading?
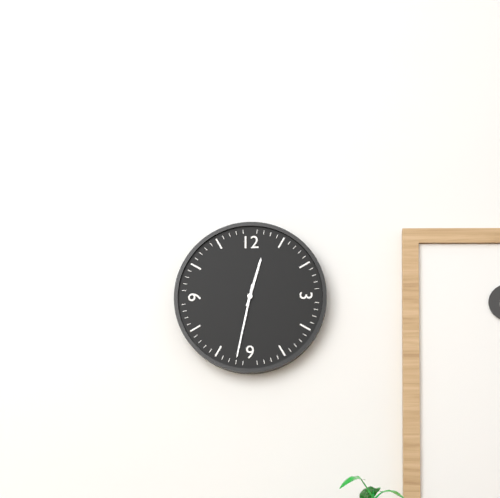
12:32
